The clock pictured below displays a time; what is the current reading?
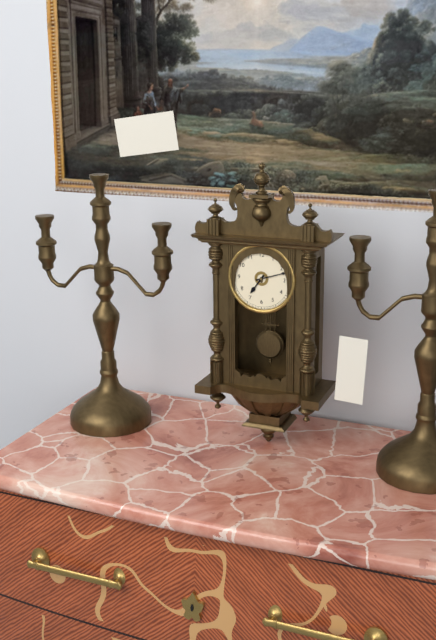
7:12
